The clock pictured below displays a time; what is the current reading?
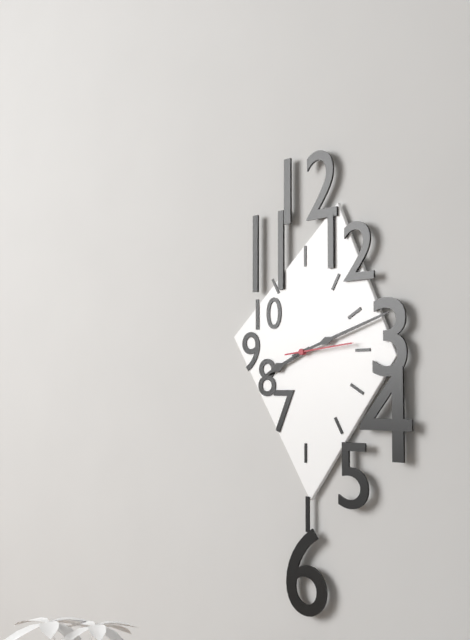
8:12:14
